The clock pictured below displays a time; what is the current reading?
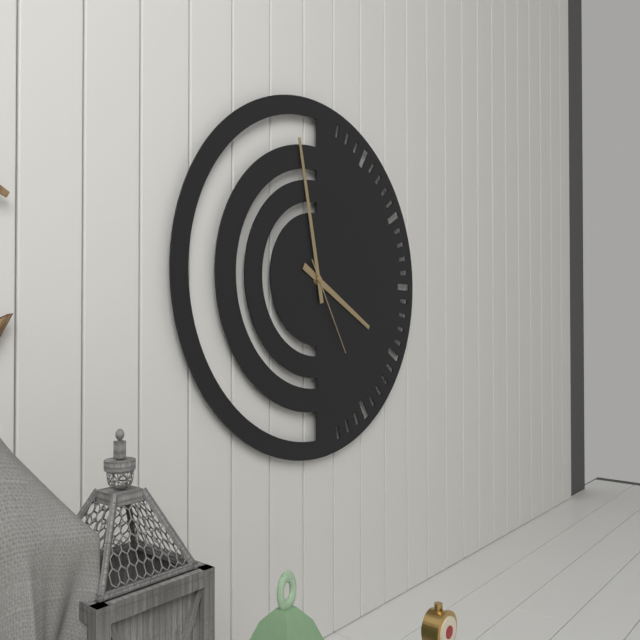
3:58:25
